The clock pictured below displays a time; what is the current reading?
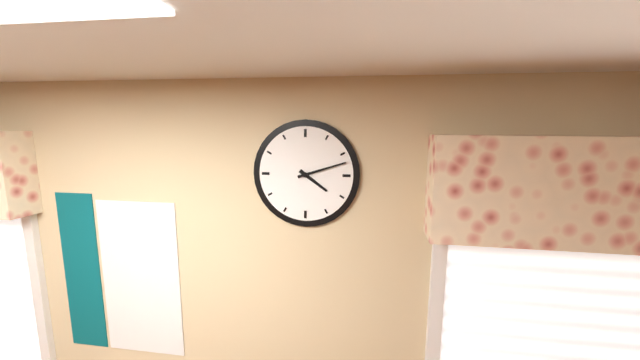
4:12
